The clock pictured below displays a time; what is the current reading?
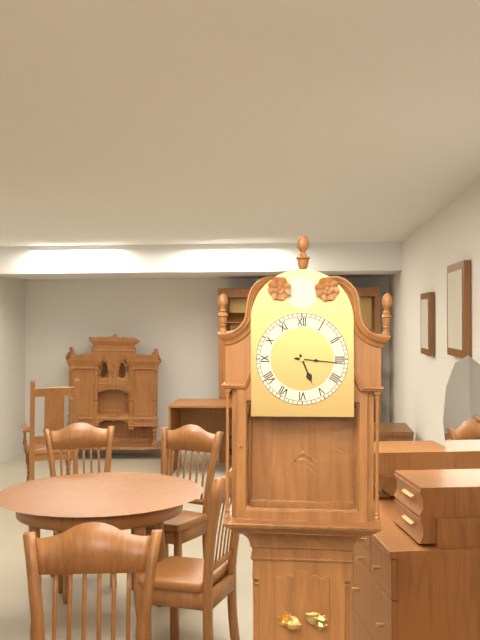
5:16
